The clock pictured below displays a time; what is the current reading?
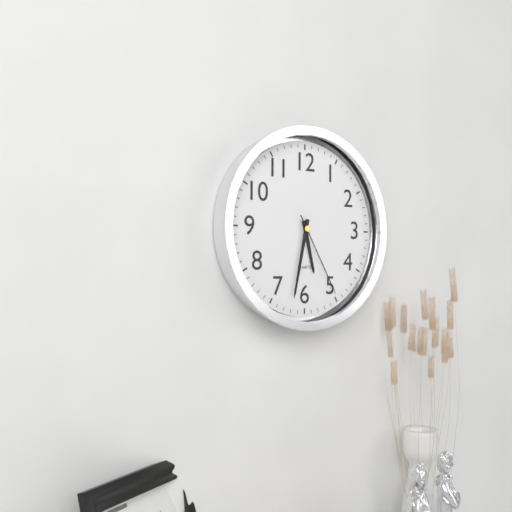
5:32:25
